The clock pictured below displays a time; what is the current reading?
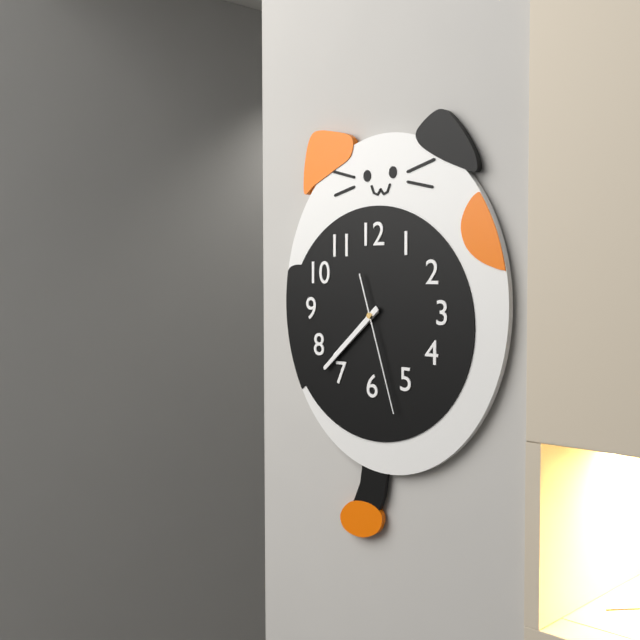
7:38:27
